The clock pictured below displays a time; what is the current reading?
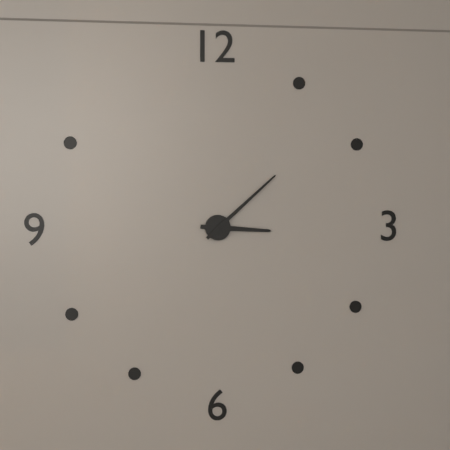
3:08
